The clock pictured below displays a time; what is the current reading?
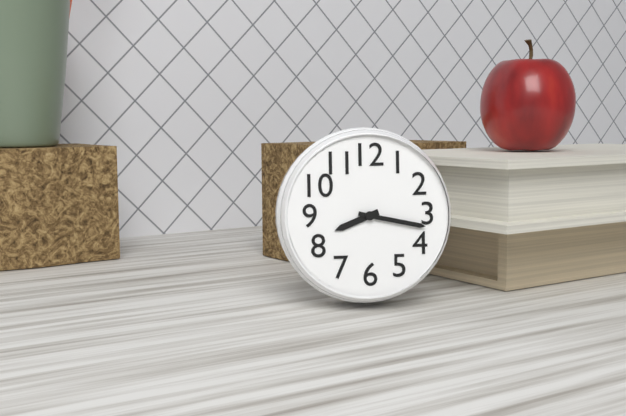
8:17
